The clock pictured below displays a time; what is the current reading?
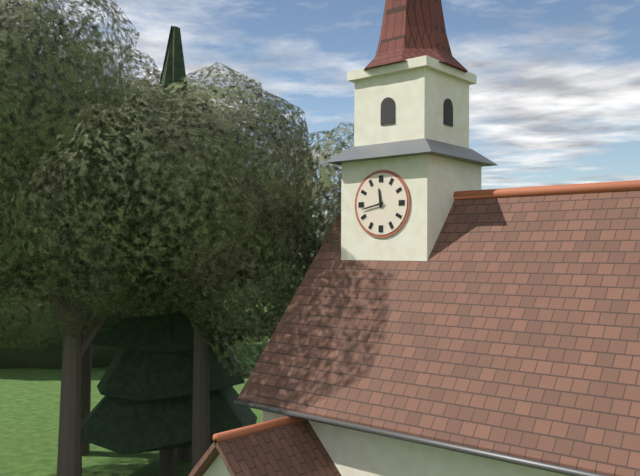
11:43
